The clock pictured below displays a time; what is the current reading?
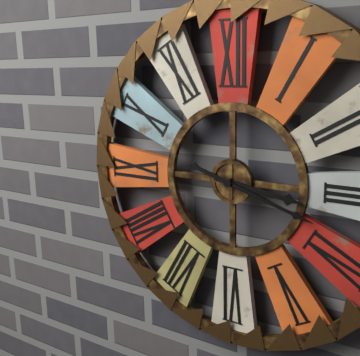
3:18
